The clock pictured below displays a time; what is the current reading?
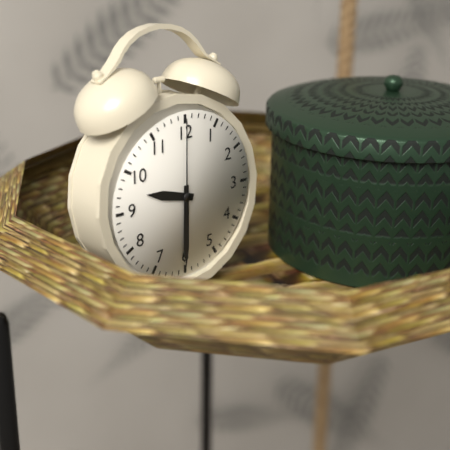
9:30:00
